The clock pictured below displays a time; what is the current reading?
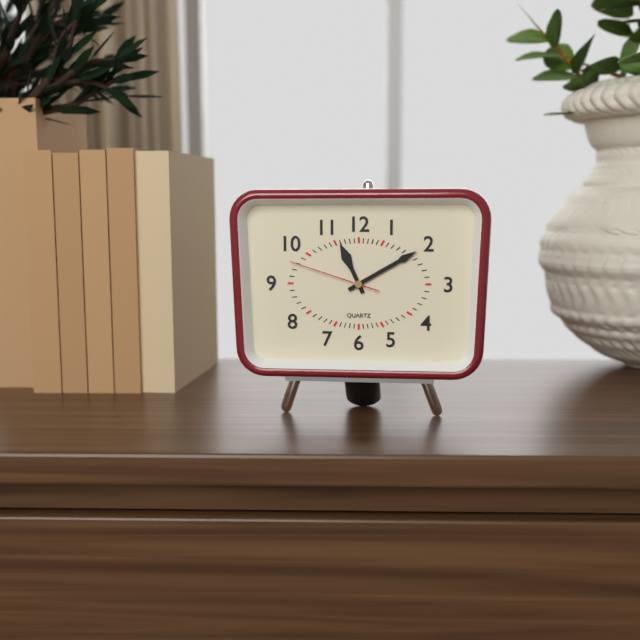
11:10:48
